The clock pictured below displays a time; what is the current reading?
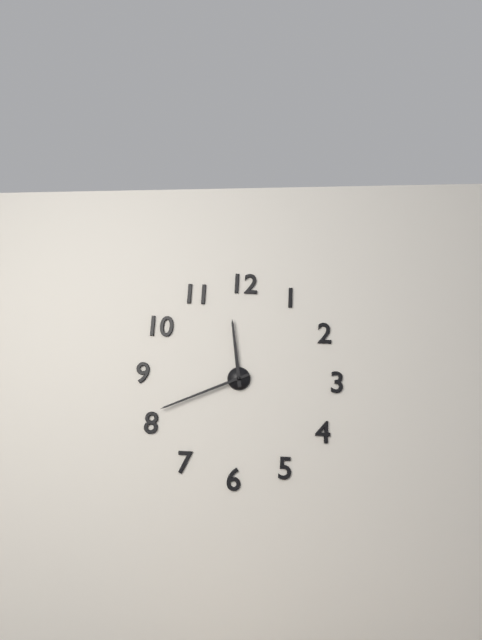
11:41
